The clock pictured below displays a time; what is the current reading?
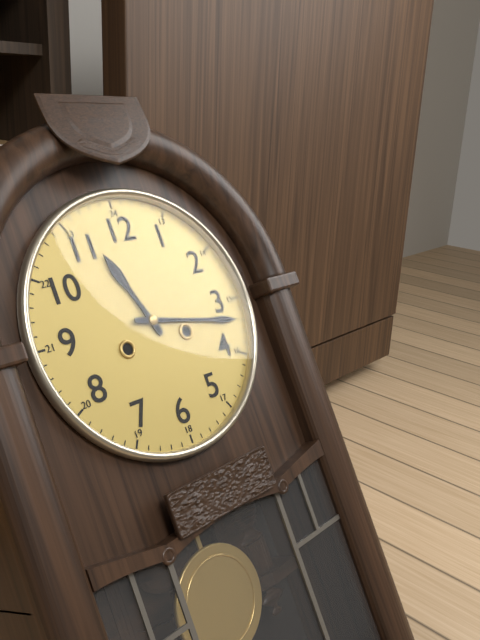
11:17
